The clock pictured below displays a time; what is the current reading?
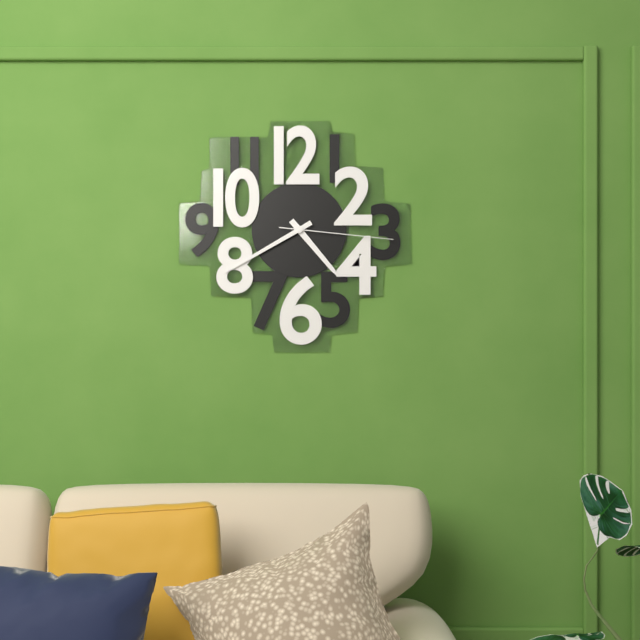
4:40:16
